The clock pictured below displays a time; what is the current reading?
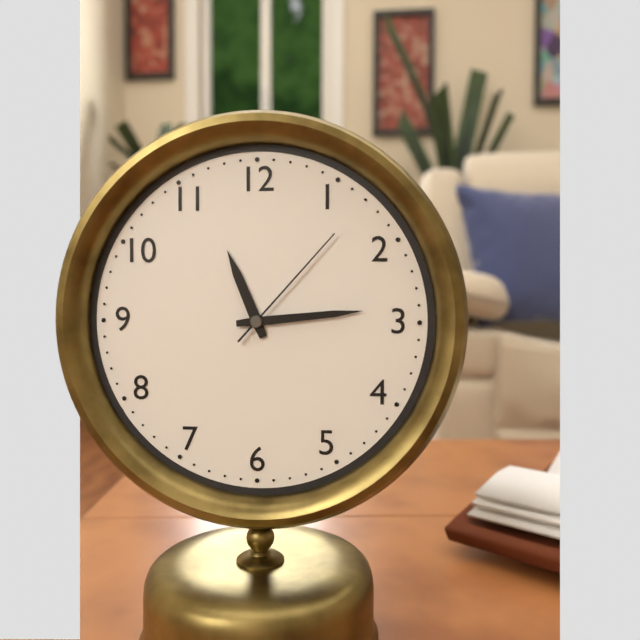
11:14:07
